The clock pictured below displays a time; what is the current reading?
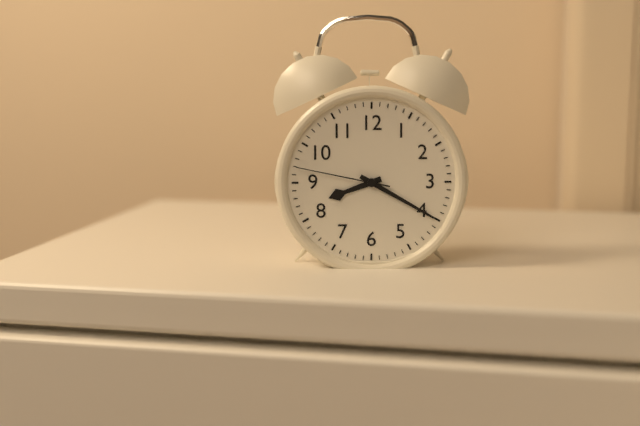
8:20:47
